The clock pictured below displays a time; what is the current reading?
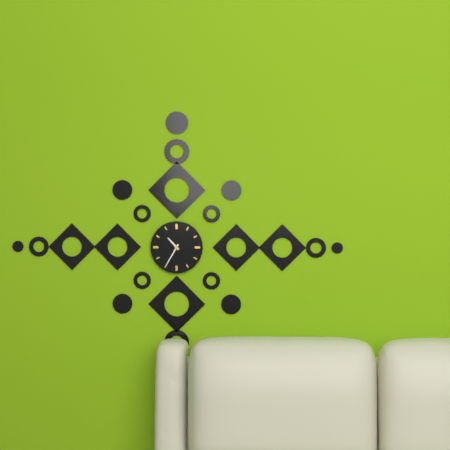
10:35
